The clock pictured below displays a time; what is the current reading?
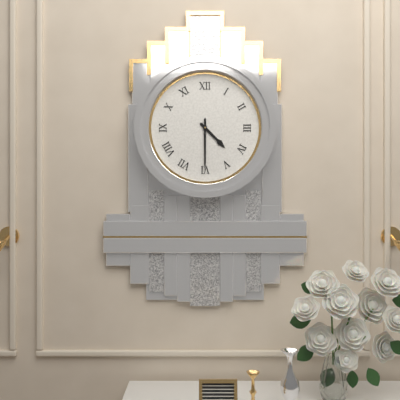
4:30
